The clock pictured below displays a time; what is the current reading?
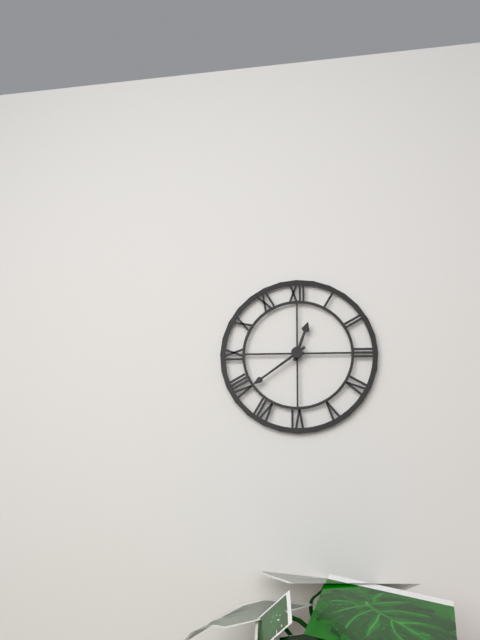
12:39
